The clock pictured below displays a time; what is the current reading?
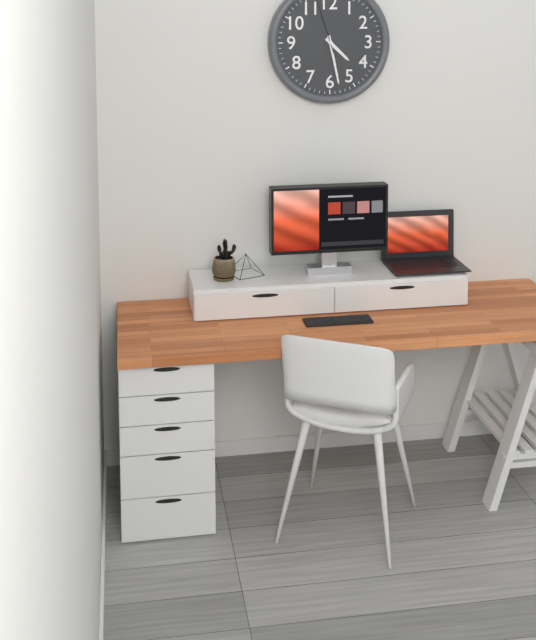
4:28
